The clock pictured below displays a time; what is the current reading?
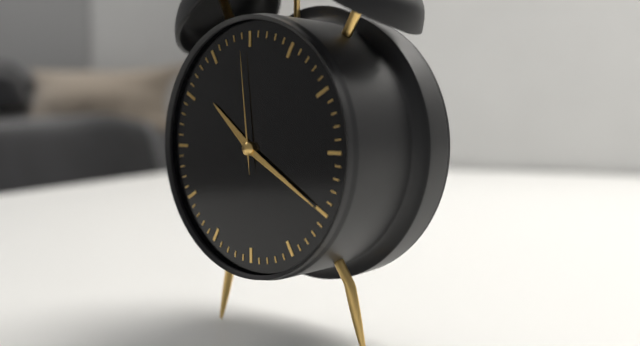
10:20:59
